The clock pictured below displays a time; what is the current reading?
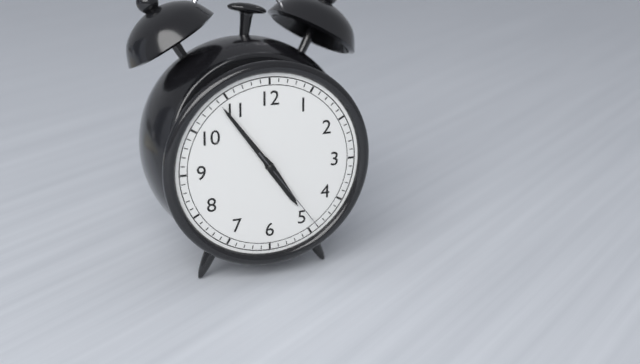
4:54:24
